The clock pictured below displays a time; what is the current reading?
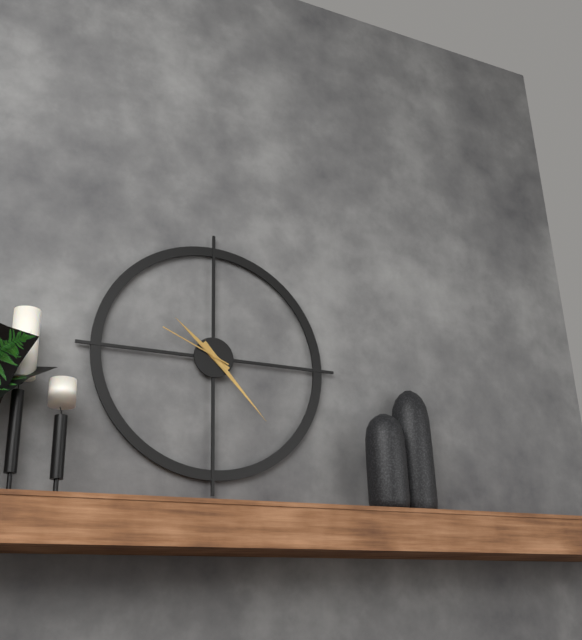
10:23:49
